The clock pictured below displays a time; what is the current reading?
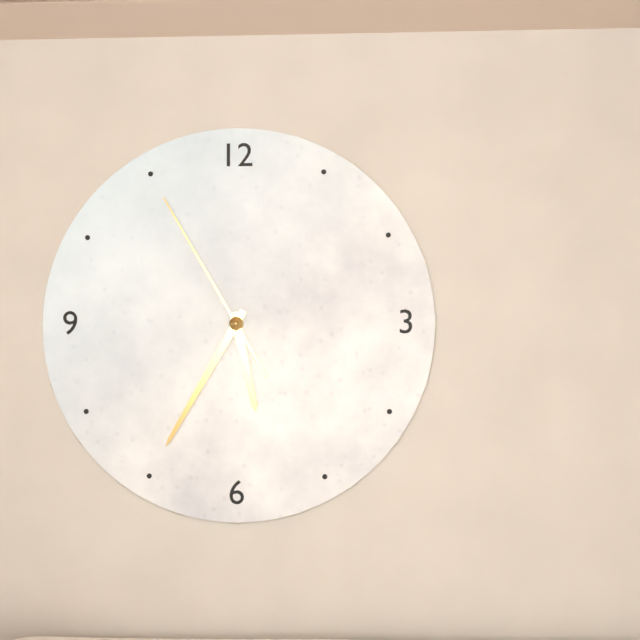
5:35:55
